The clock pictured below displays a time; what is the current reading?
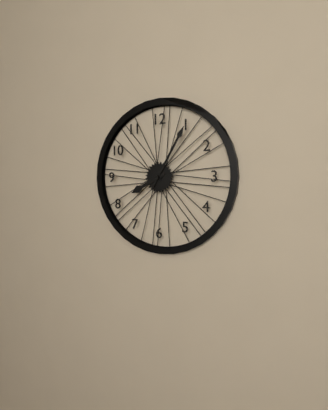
8:05
